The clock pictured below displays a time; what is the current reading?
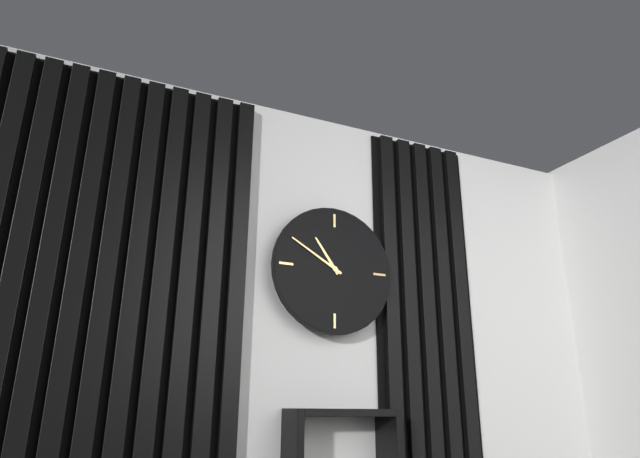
10:50
